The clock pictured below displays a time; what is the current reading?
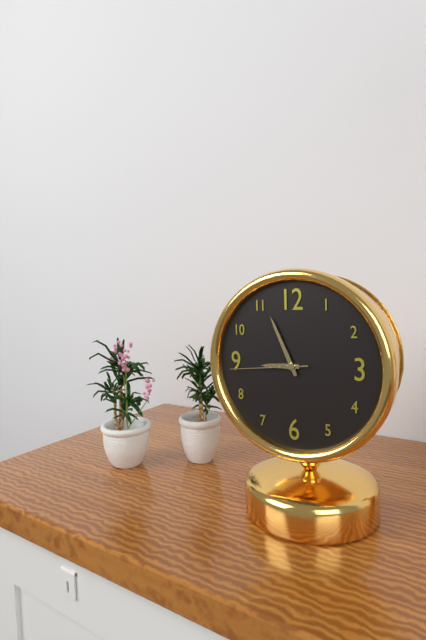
8:56:44
